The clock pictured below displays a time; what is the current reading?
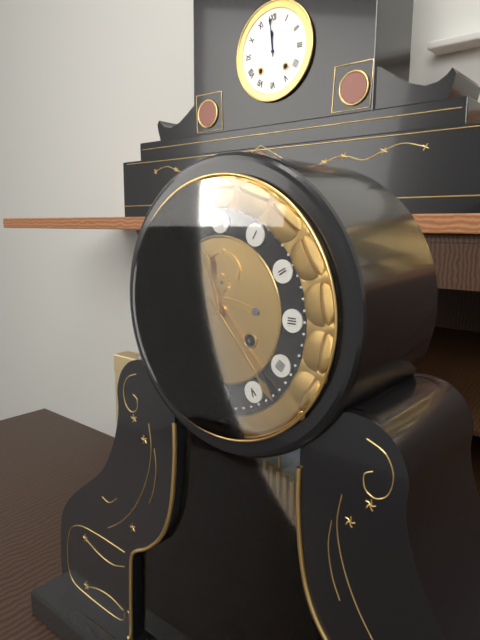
11:23
